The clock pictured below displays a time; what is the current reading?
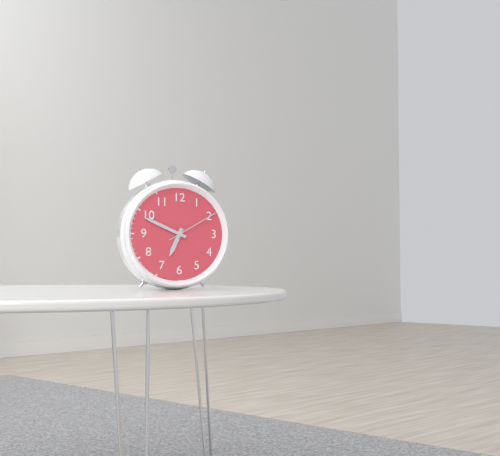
6:49:10
